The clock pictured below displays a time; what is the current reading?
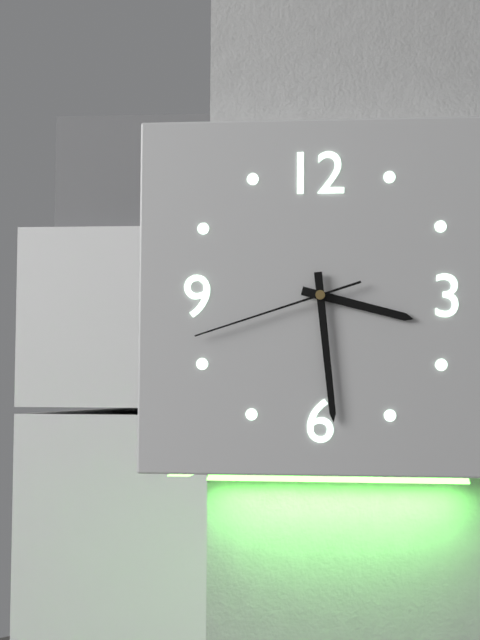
3:29:42
